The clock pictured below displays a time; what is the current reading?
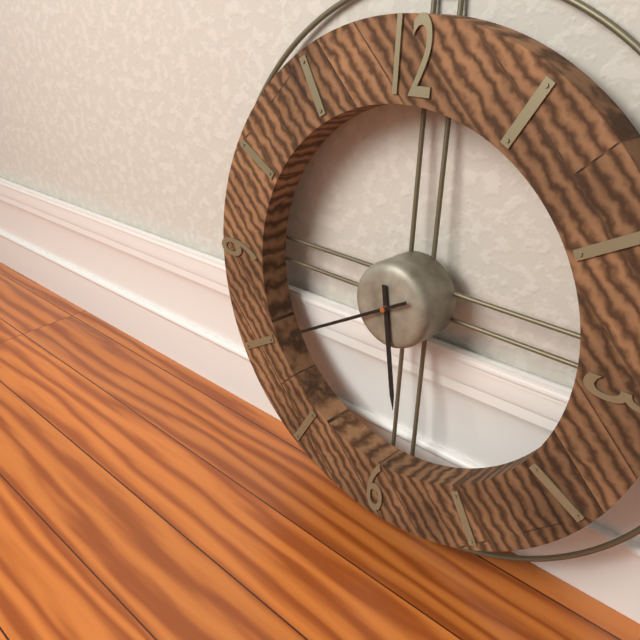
5:40
